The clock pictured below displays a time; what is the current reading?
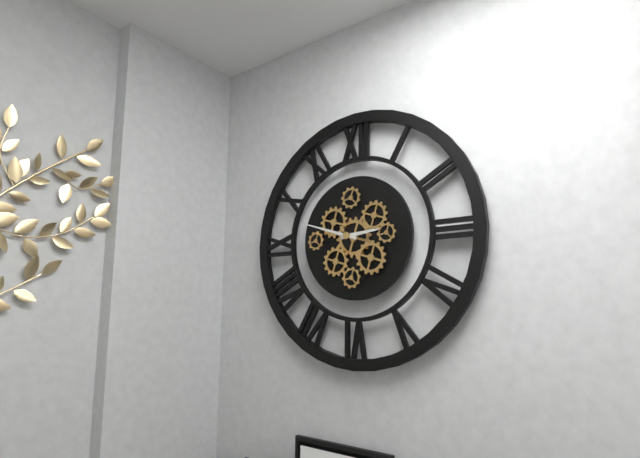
2:48
